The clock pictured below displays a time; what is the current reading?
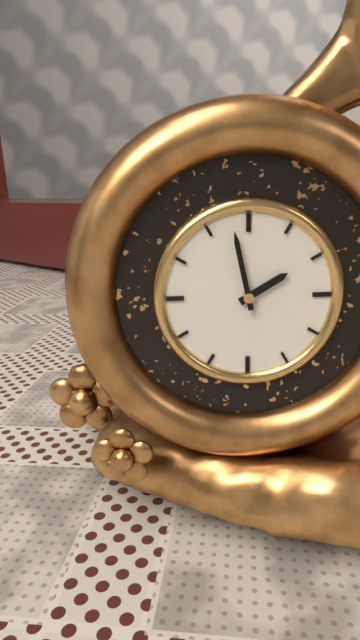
1:58
